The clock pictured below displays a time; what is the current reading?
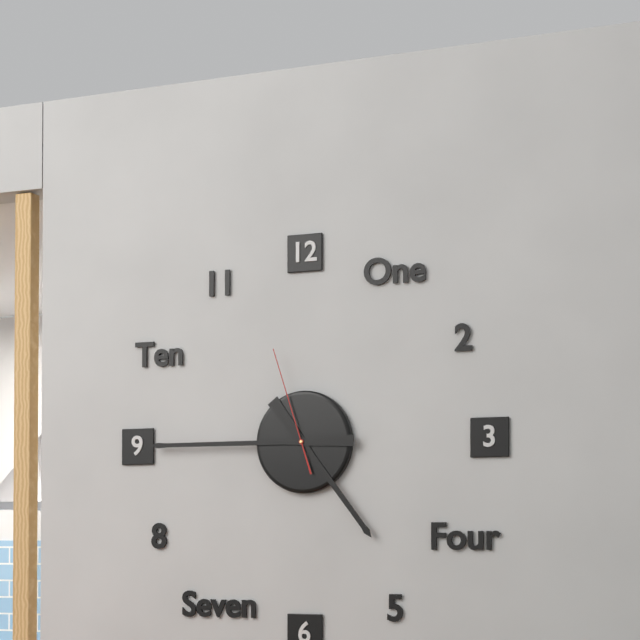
4:45:57
